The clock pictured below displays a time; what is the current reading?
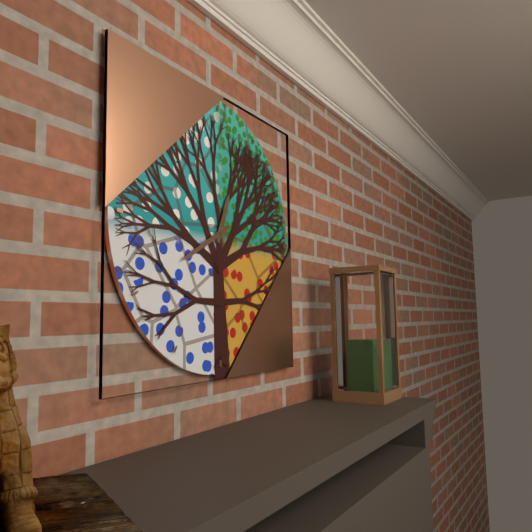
12:40
